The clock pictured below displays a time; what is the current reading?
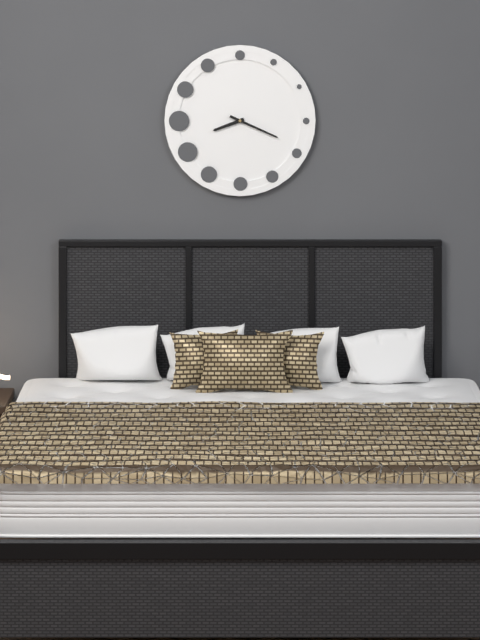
8:19
